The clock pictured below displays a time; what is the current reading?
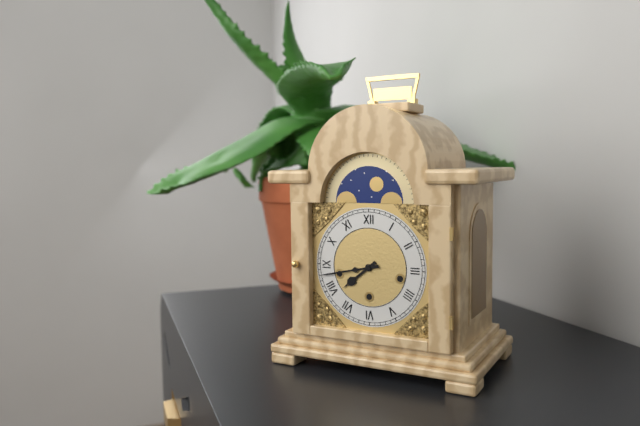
7:43
